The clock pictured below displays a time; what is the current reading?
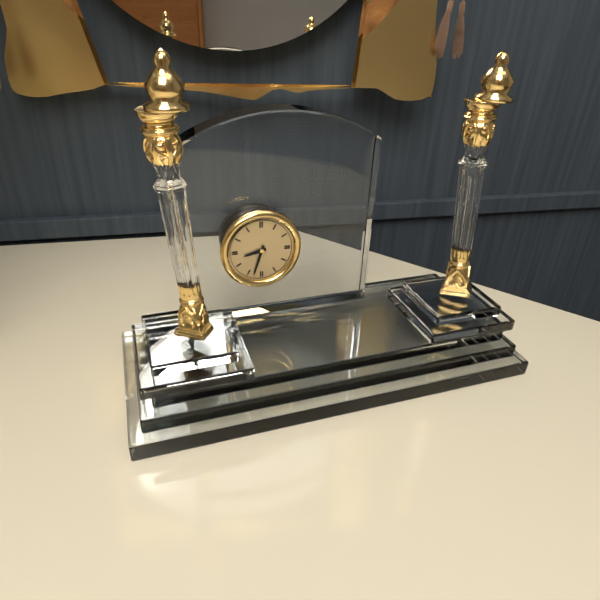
8:33
